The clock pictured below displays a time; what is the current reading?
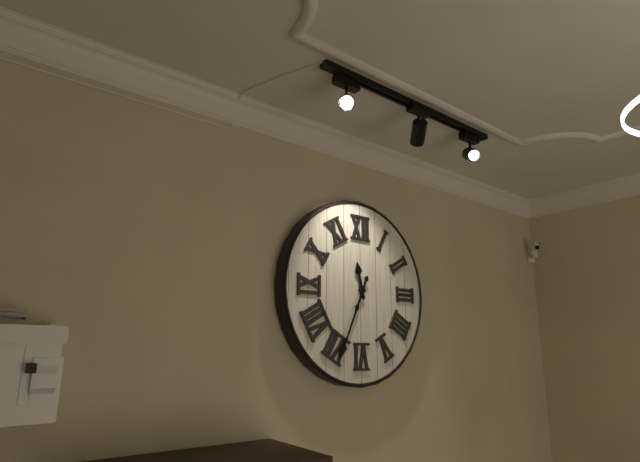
11:34
